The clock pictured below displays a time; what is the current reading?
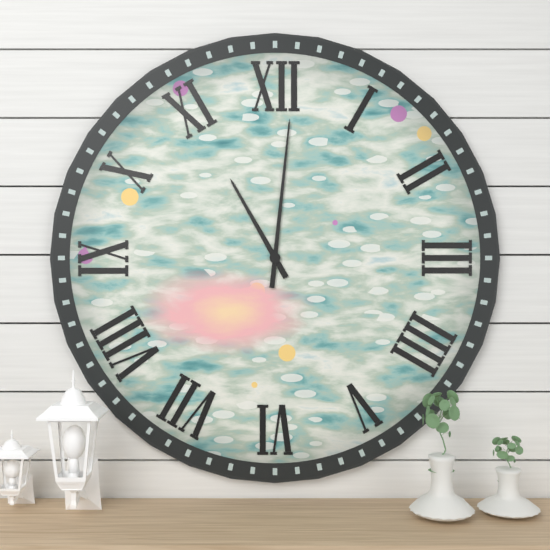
11:01
